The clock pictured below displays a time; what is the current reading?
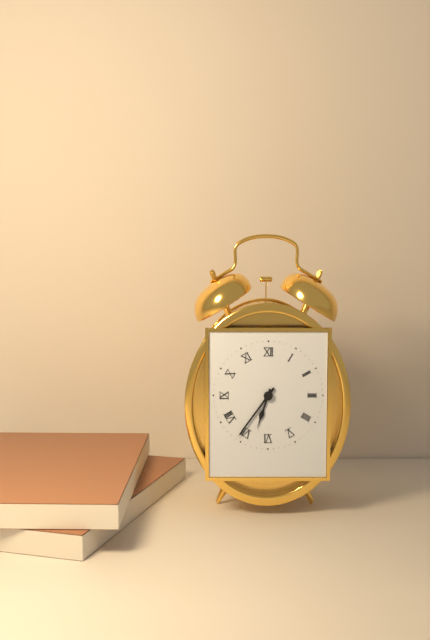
6:36
